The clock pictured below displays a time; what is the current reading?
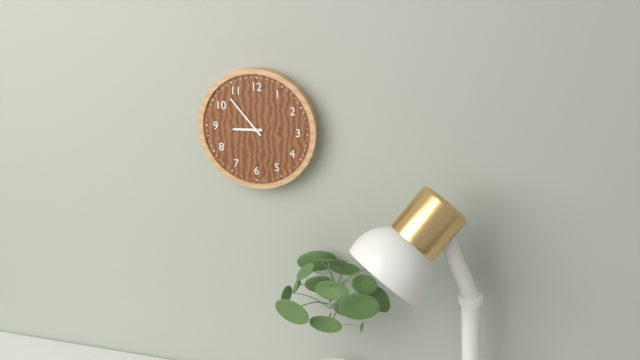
8:53
